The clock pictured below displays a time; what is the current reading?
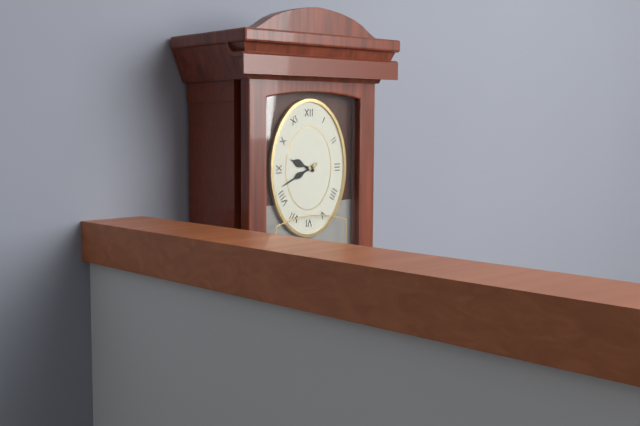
9:41
